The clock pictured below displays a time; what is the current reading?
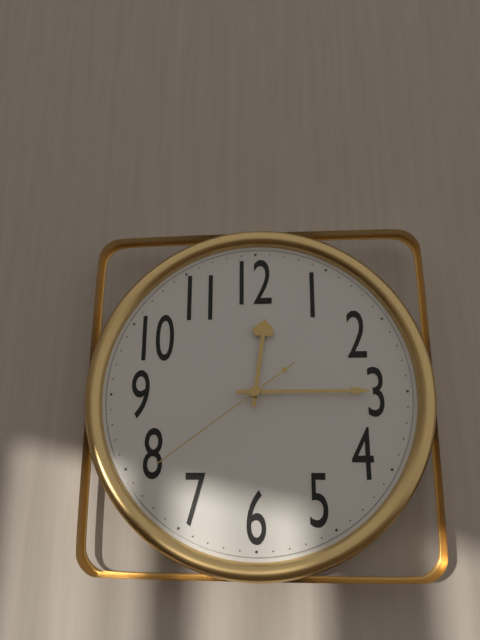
12:15:39
